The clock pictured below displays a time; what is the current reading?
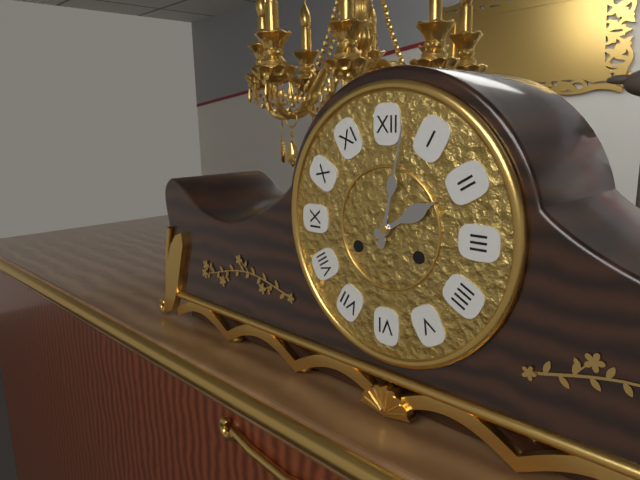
2:02
